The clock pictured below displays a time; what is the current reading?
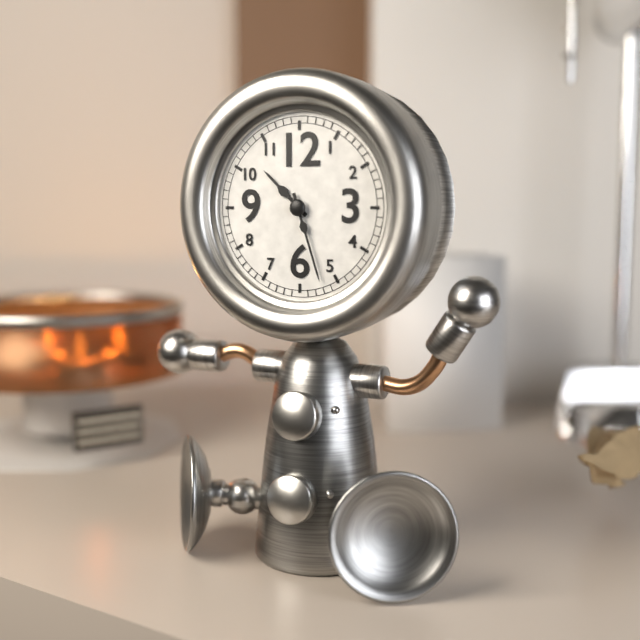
10:27
